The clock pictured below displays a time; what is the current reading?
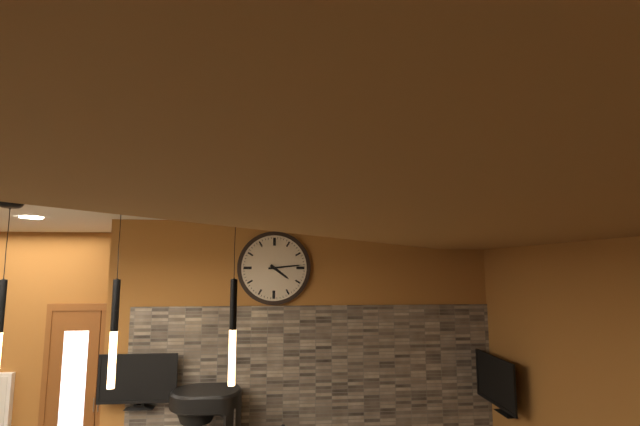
4:14
